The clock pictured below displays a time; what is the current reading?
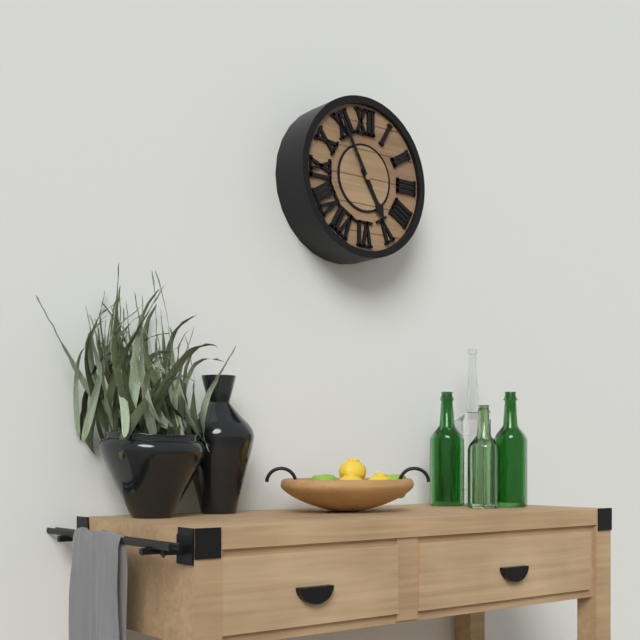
4:55
